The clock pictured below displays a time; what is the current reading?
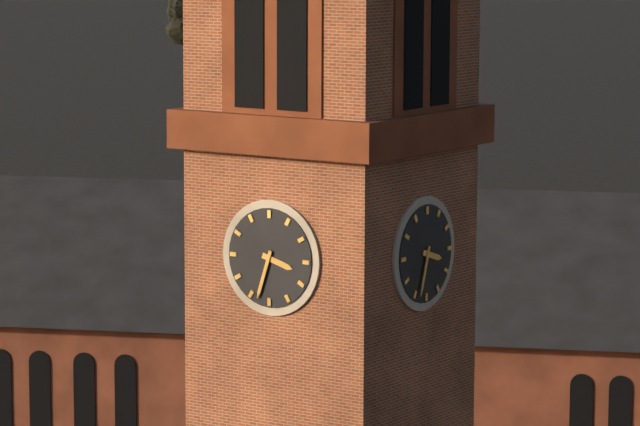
3:33
